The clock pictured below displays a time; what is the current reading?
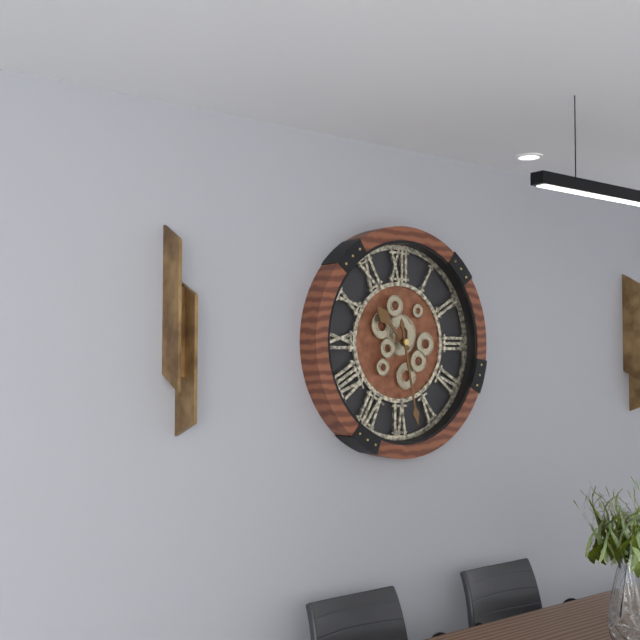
10:28
